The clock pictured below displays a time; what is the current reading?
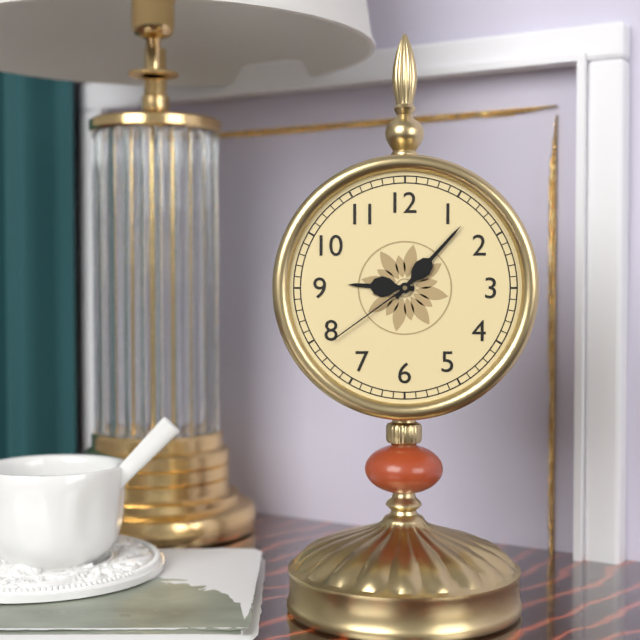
9:07:39
